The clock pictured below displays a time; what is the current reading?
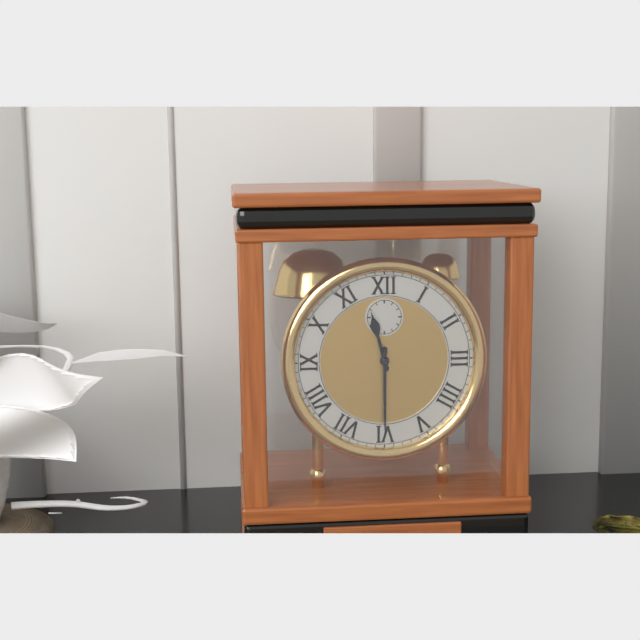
11:30
